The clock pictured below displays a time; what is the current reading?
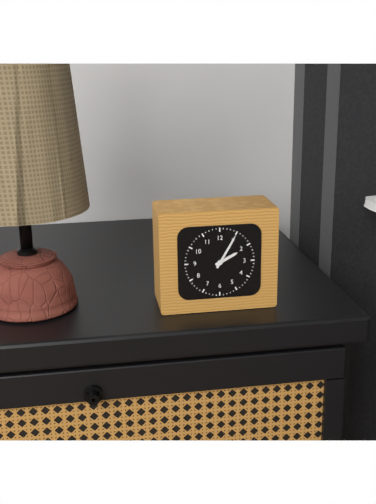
2:05
